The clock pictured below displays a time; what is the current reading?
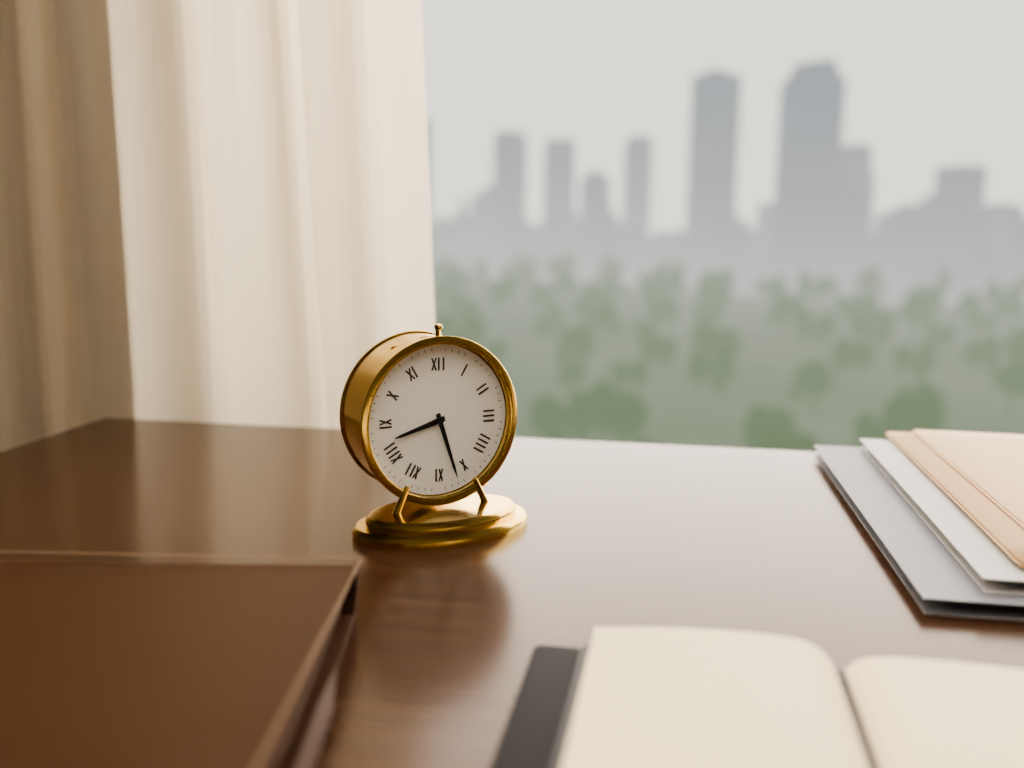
8:27
